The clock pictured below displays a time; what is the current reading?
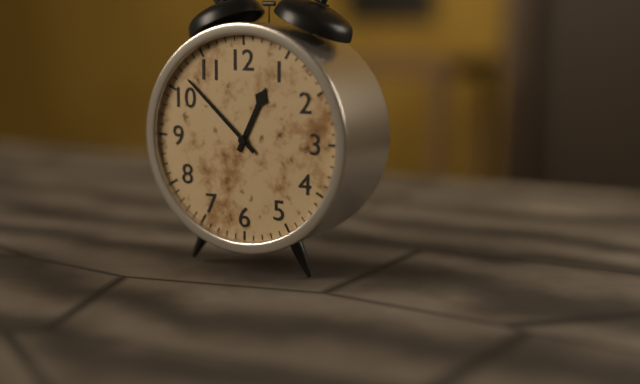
12:52
